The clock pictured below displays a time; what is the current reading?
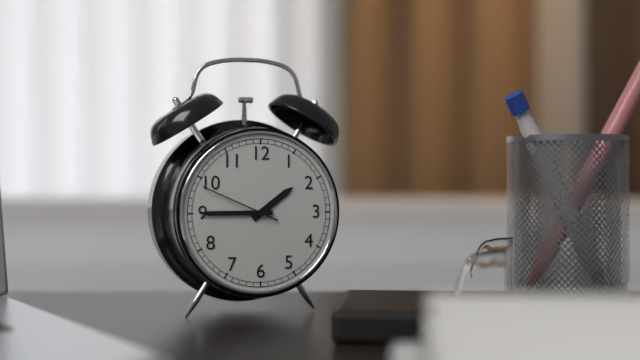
1:45:49
